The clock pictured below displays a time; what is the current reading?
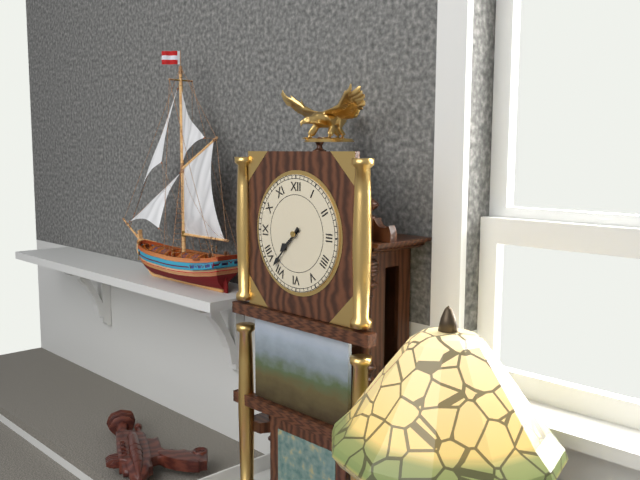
7:37
